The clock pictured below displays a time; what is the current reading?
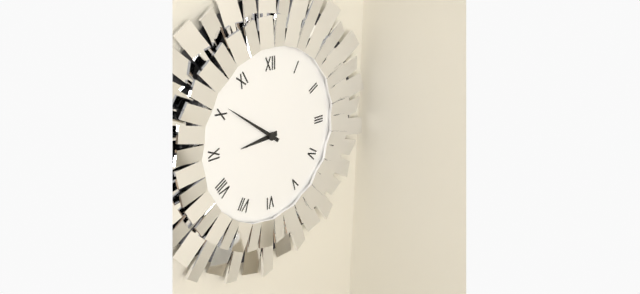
8:51
